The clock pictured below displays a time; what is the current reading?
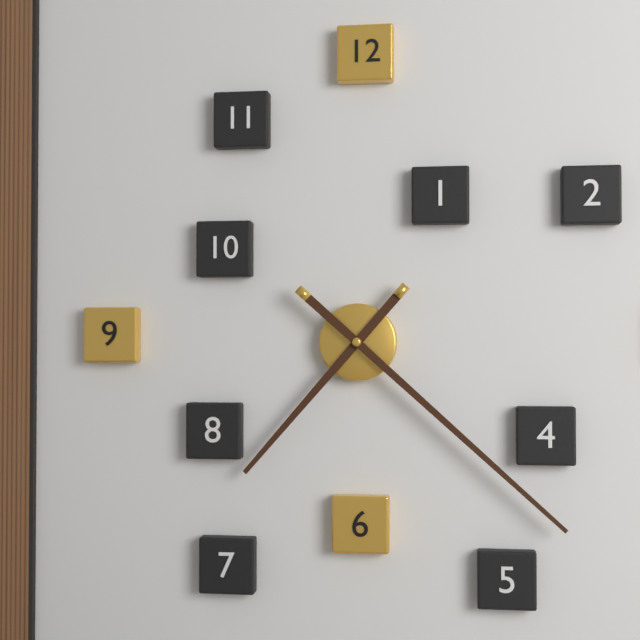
7:22
